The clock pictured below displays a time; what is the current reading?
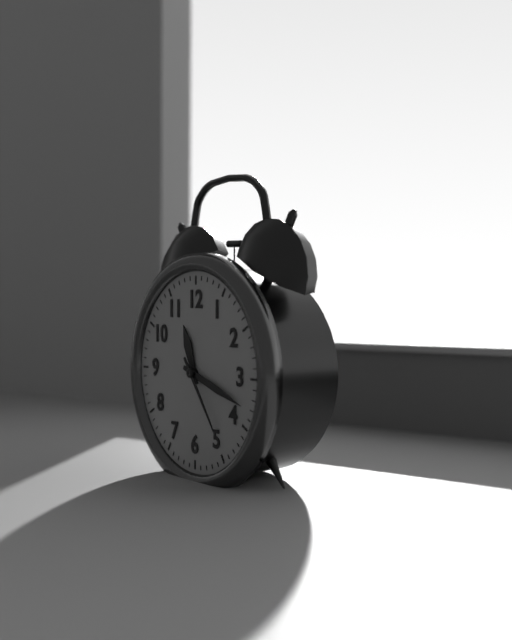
11:18:24
